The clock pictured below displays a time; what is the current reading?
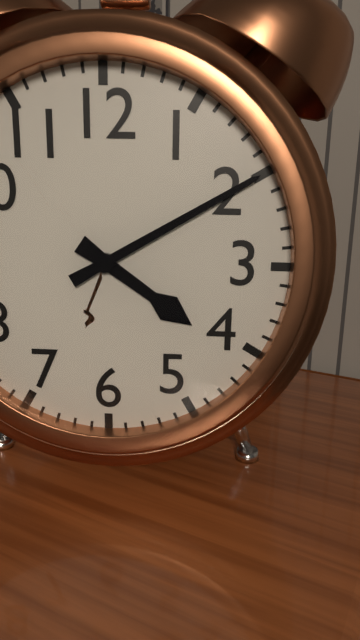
4:10
